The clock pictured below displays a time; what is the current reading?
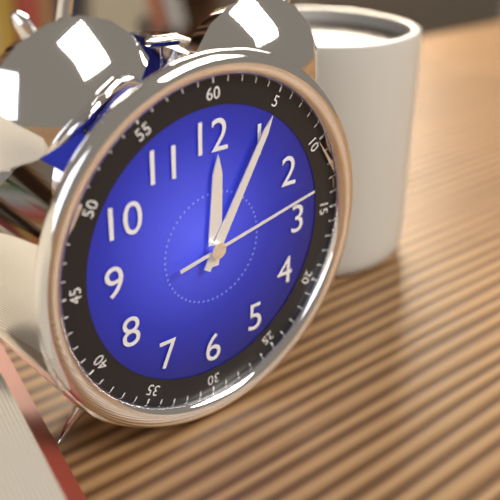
12:05:13
